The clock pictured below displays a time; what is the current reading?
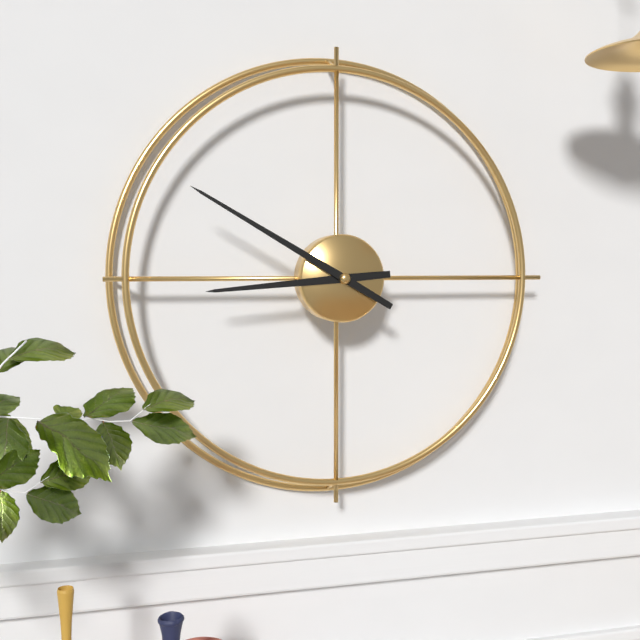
8:50
